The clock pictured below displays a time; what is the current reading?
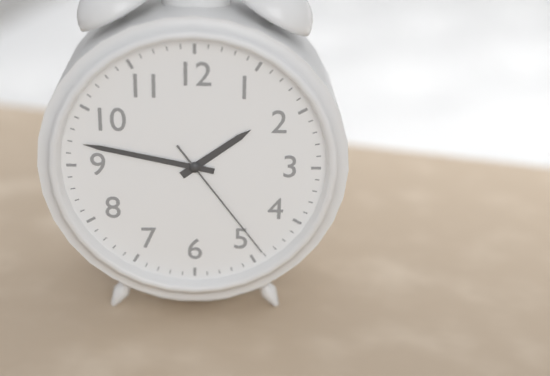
1:47:24
